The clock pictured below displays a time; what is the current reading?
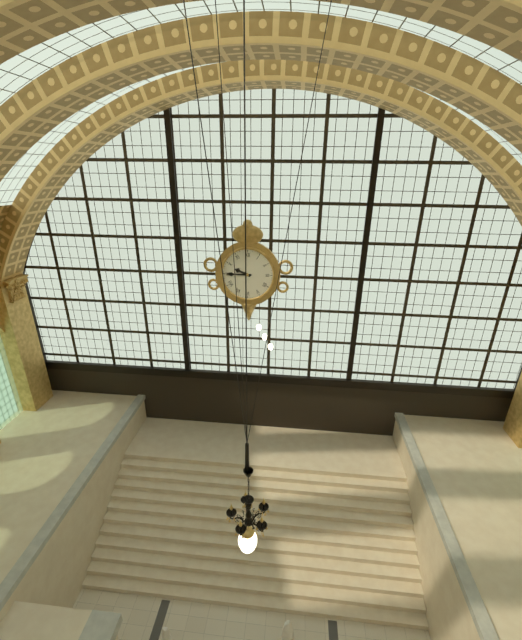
9:45
